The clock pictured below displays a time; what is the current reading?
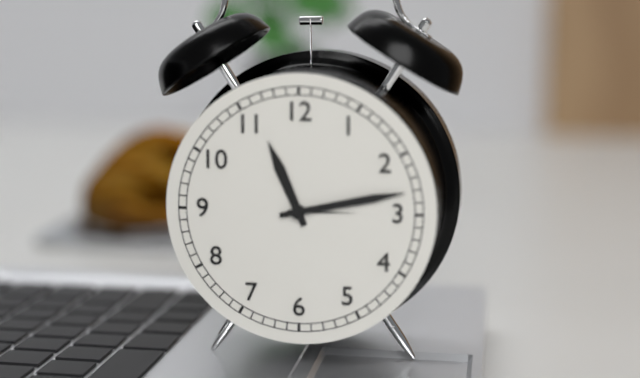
11:13
